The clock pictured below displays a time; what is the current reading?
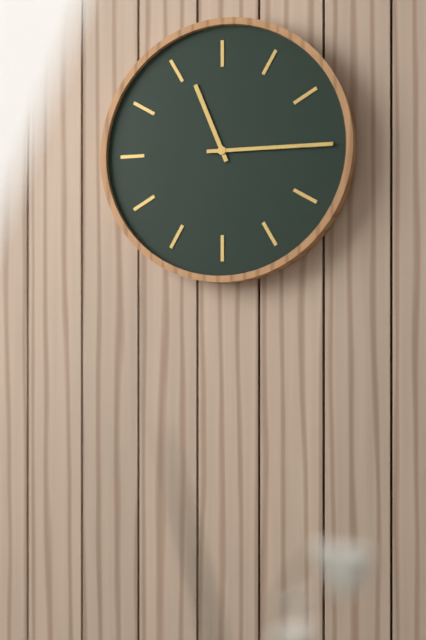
11:15
